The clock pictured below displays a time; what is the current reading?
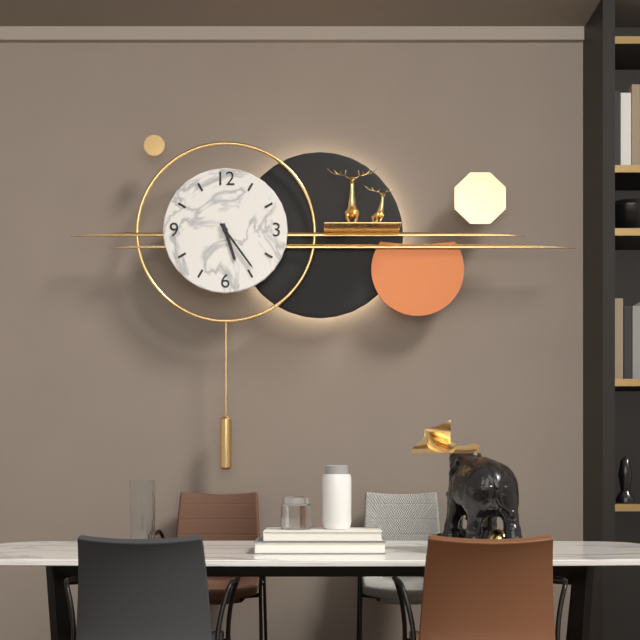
5:24
